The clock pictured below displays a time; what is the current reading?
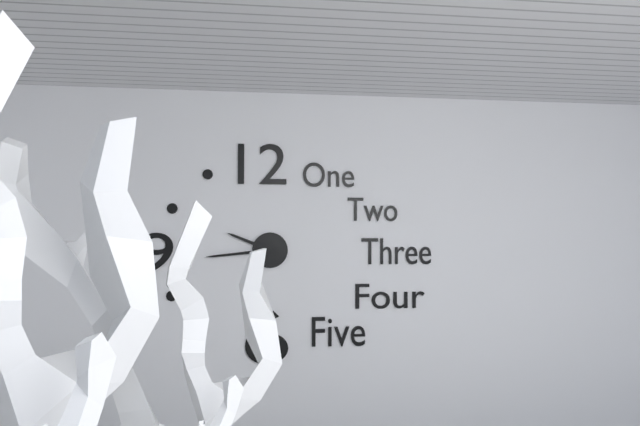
9:44
